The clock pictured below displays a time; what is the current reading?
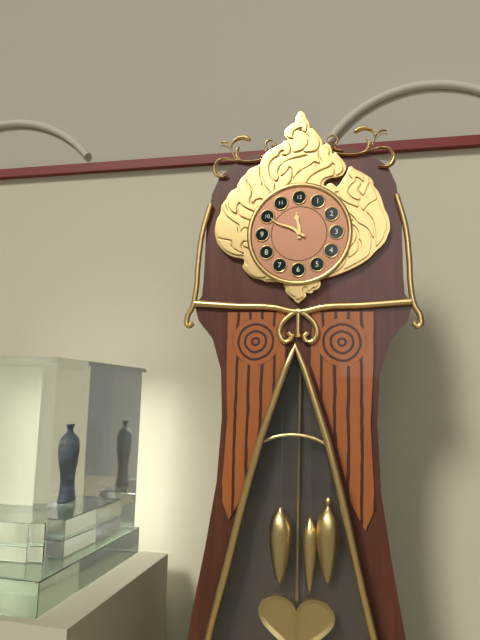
11:50
